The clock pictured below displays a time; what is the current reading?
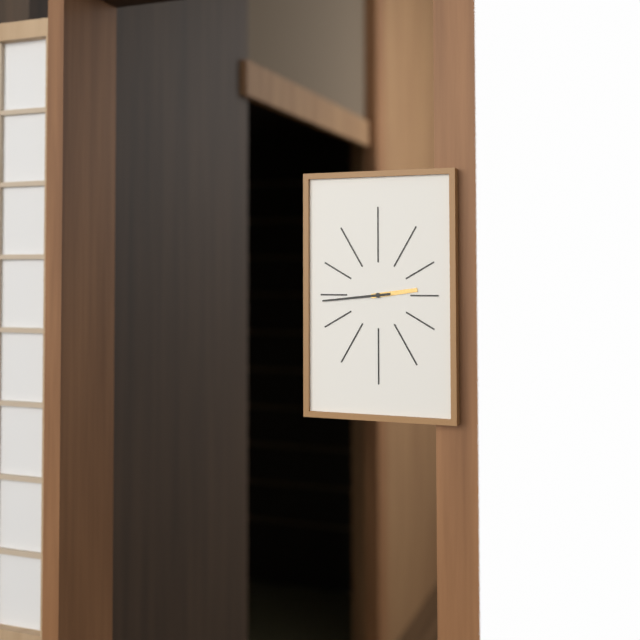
2:44
